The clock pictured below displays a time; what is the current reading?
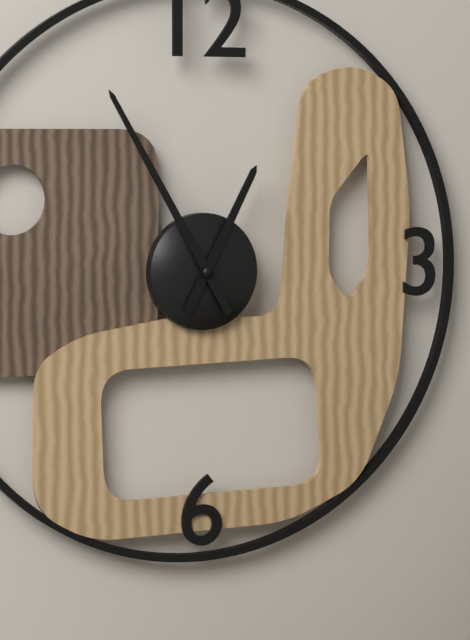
12:55
